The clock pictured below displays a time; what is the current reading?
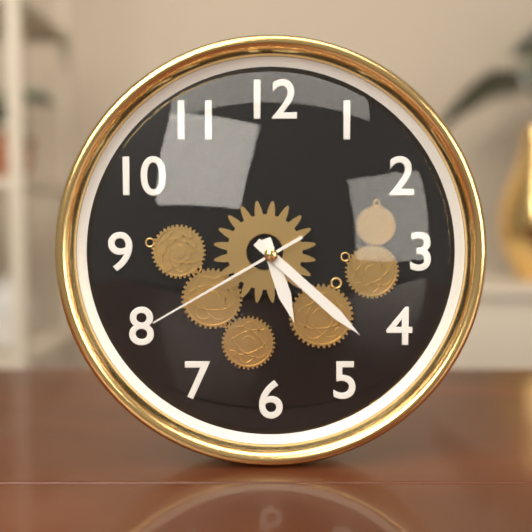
5:22:40
